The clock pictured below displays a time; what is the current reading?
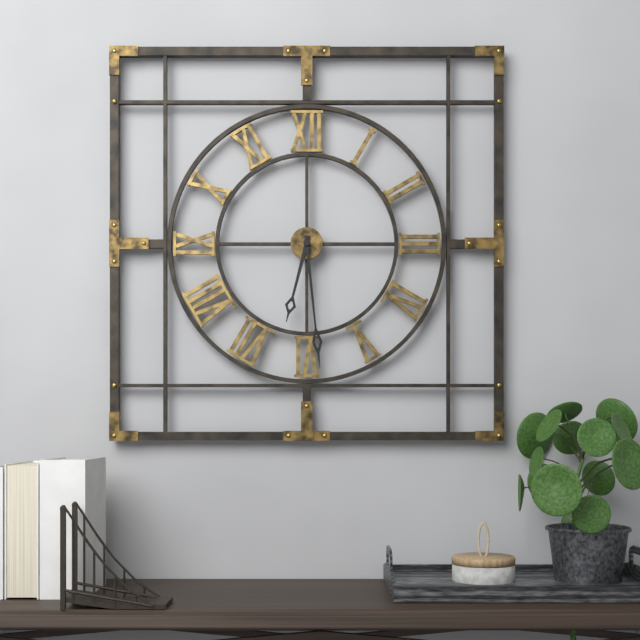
6:29
